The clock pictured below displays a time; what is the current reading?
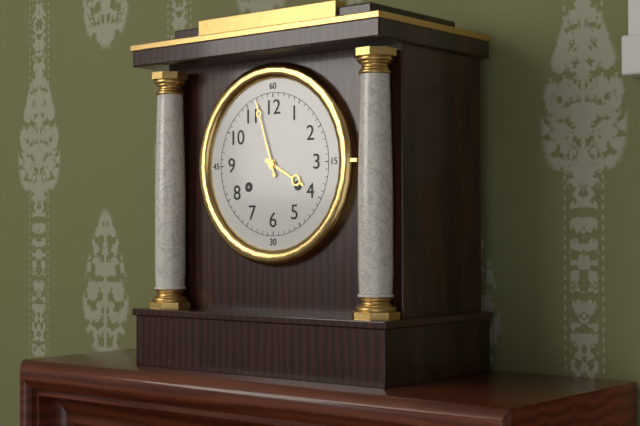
3:57
